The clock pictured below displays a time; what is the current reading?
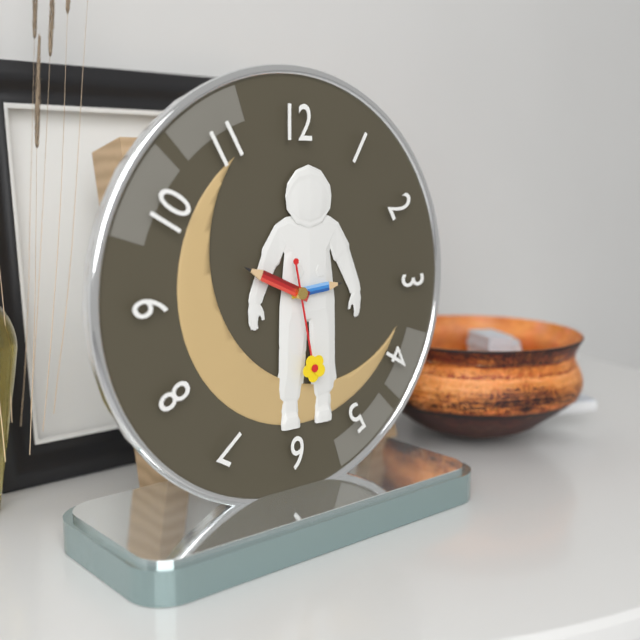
2:49:28
